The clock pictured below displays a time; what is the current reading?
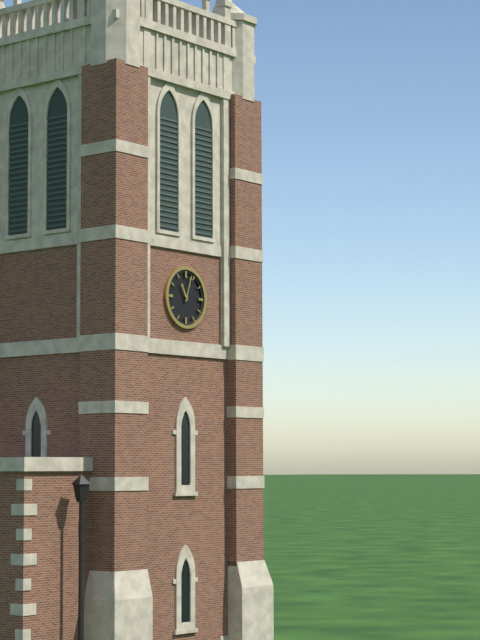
11:03
